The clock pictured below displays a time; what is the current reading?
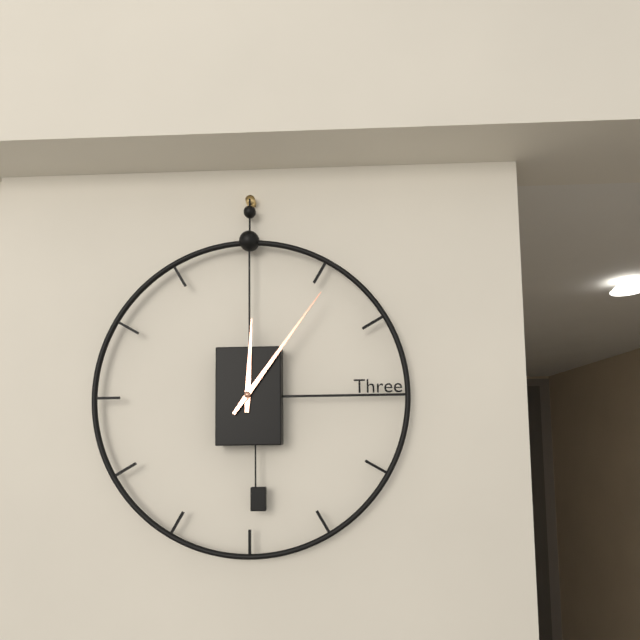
12:06
